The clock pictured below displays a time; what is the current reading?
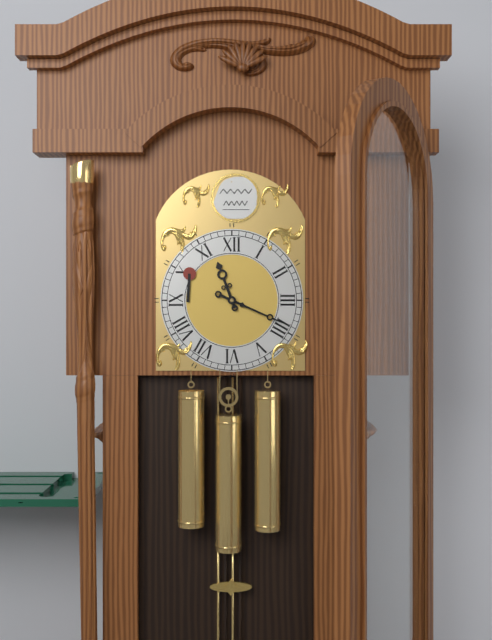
11:19
